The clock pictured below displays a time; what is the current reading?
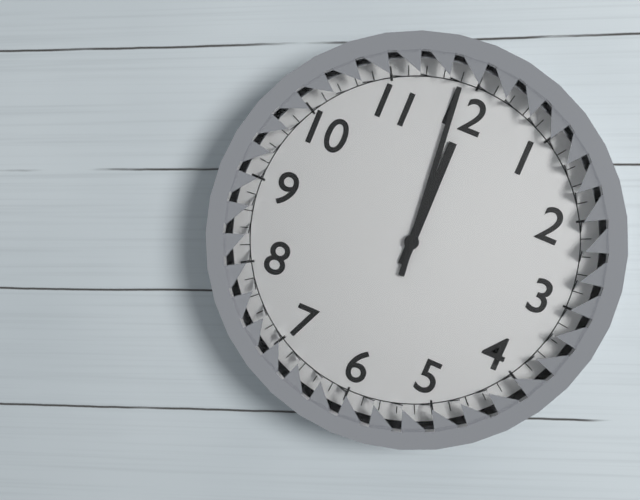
11:59
